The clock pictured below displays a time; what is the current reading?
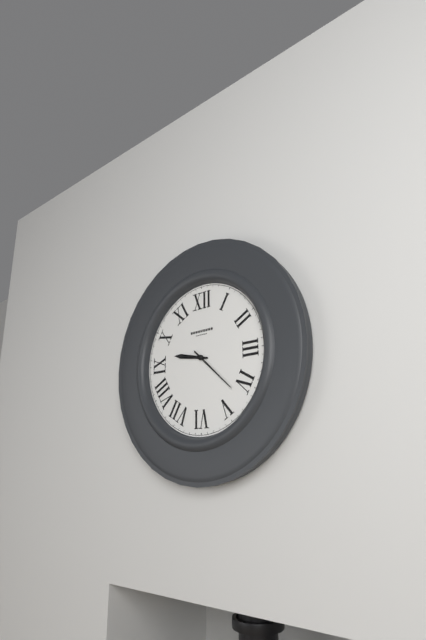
9:22
